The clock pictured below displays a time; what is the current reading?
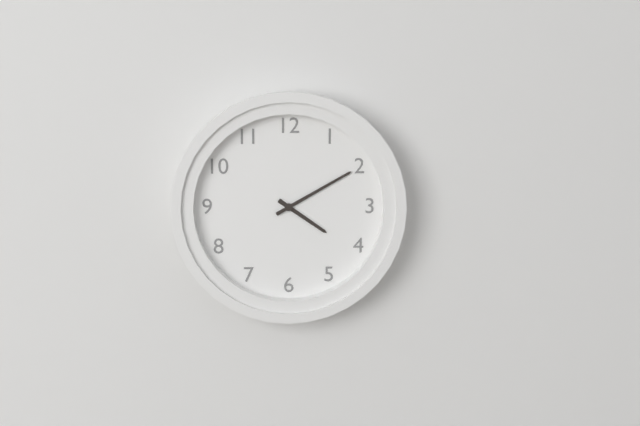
4:10
